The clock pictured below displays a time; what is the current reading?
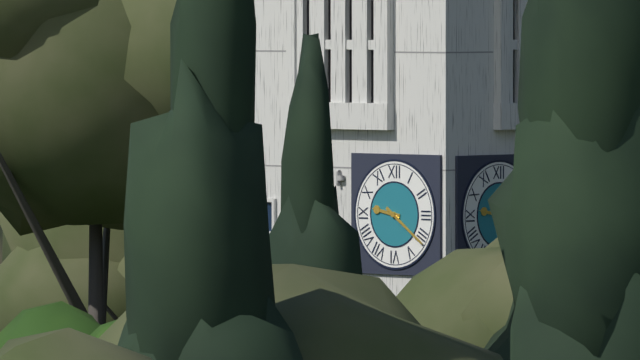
9:21
